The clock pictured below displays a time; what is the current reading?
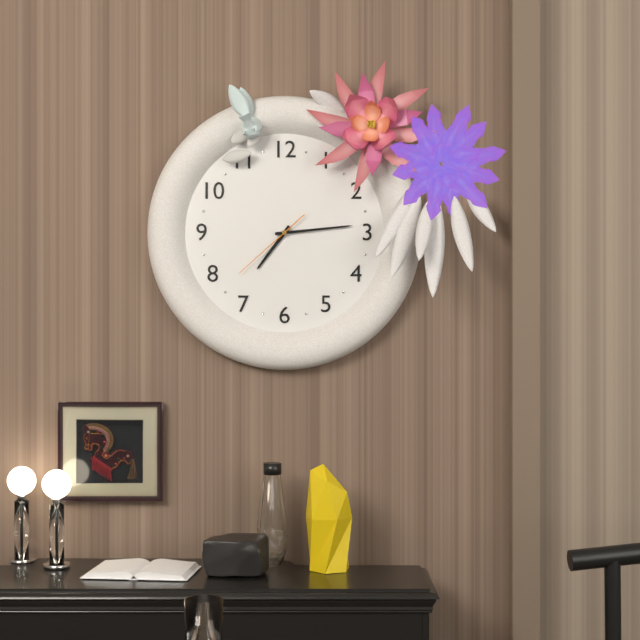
7:14:38
